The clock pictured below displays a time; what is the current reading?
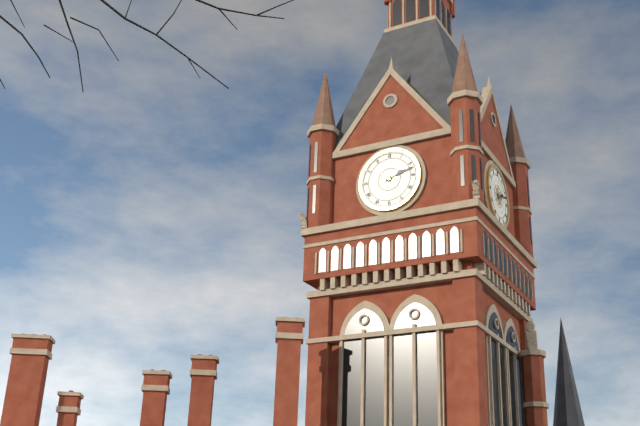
2:12
